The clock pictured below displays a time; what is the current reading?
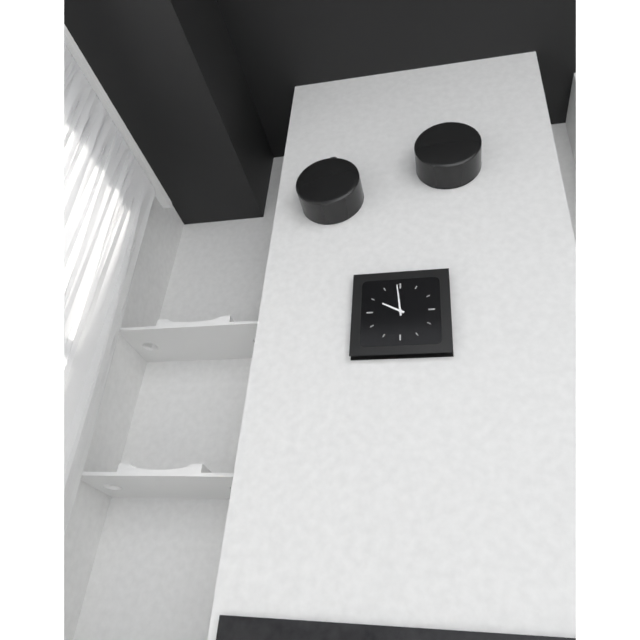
9:59
